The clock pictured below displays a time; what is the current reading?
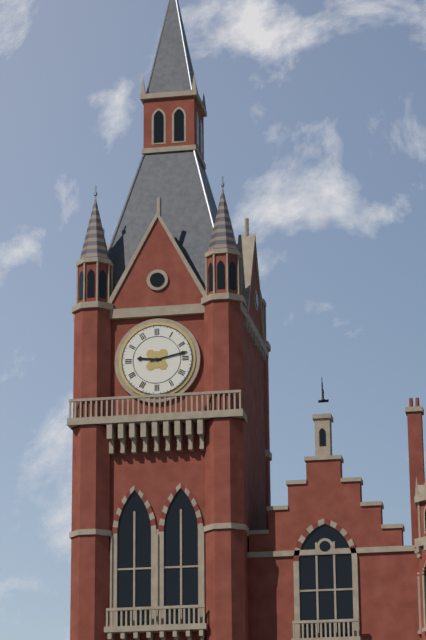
9:13
